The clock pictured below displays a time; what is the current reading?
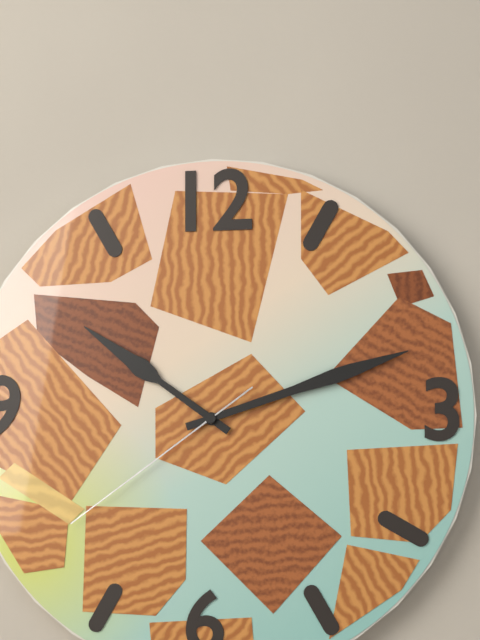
10:12:39
